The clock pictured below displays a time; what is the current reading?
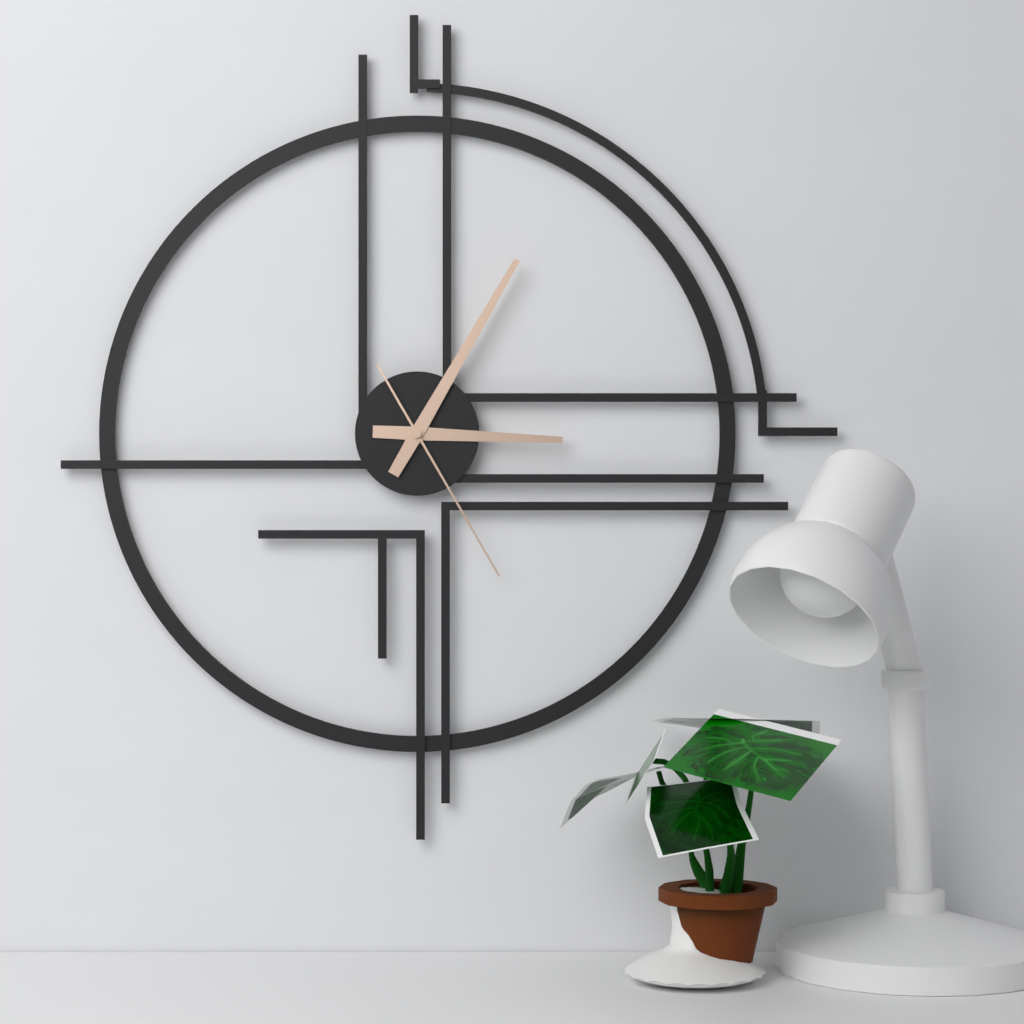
3:05:25
